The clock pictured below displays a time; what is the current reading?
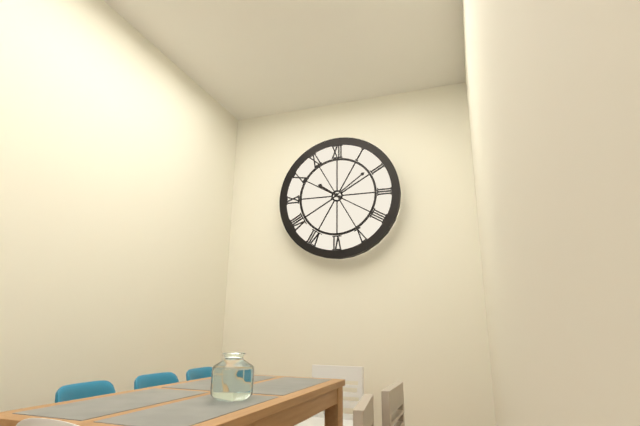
10:09
